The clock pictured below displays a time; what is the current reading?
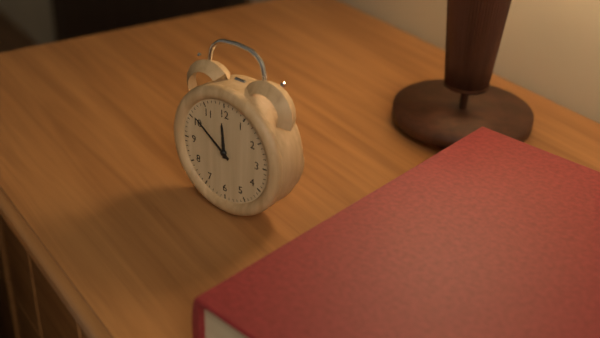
11:51
